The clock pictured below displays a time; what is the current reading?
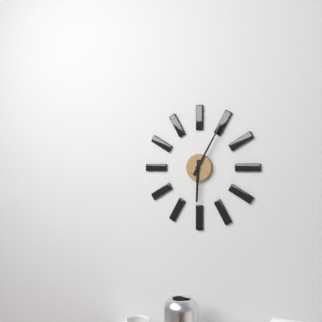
6:05
